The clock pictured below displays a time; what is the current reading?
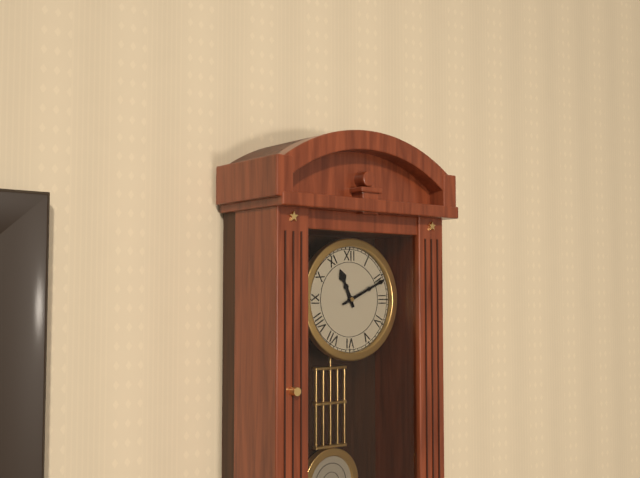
11:11
